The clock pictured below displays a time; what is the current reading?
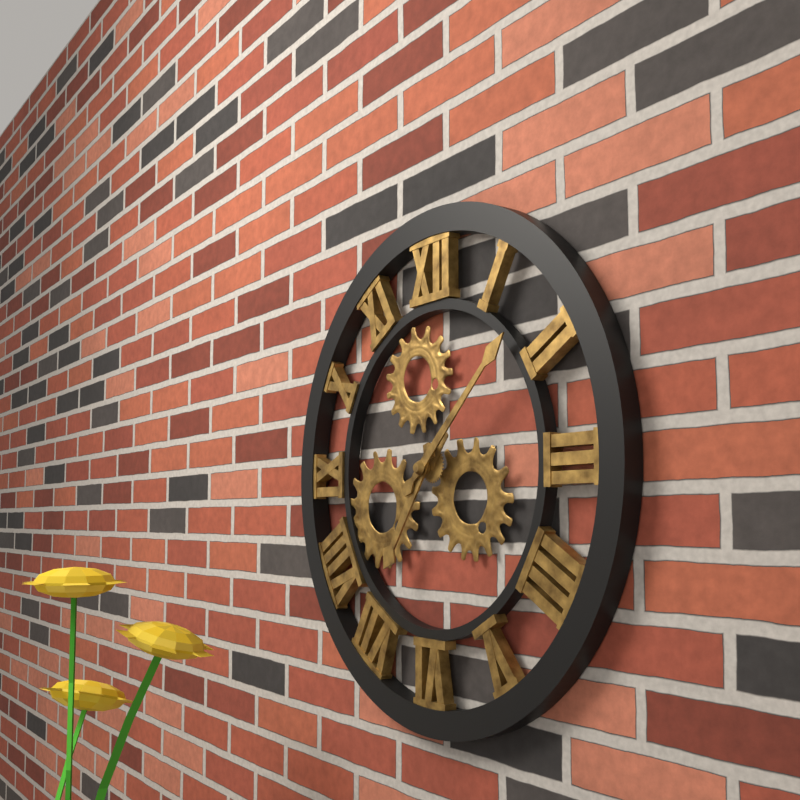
7:08
